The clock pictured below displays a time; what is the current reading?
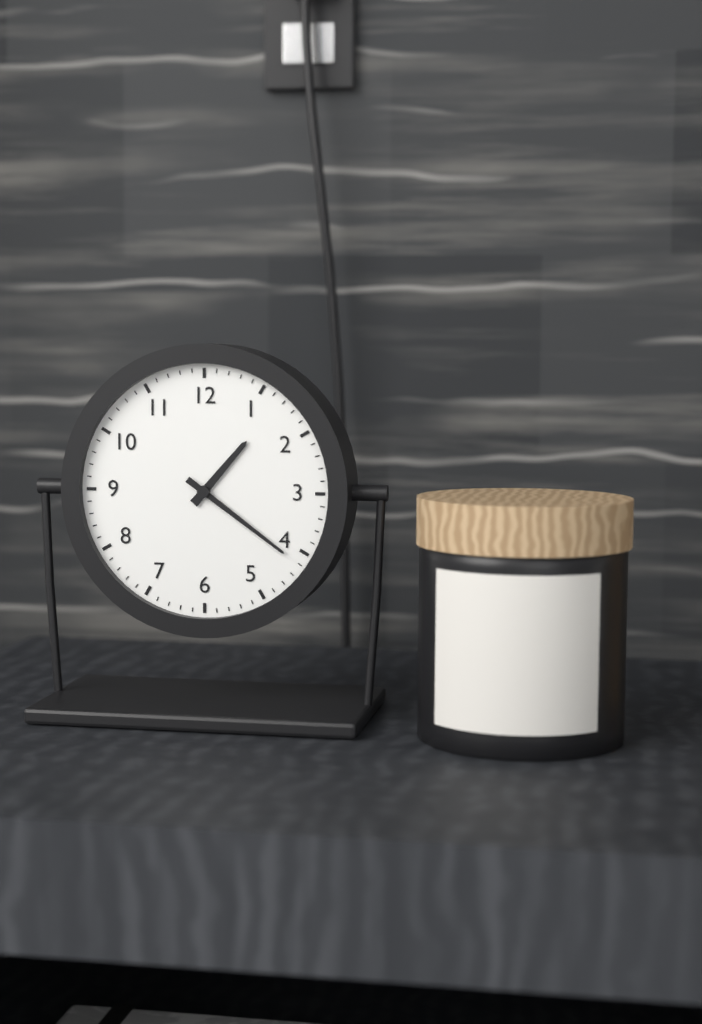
1:21
